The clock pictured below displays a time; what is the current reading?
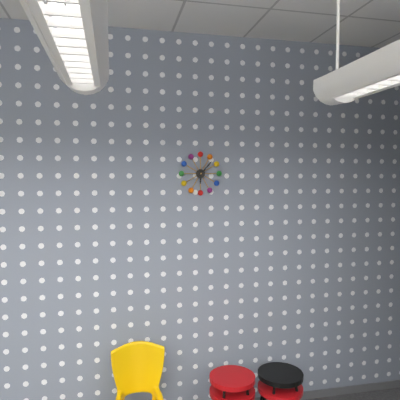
6:07
